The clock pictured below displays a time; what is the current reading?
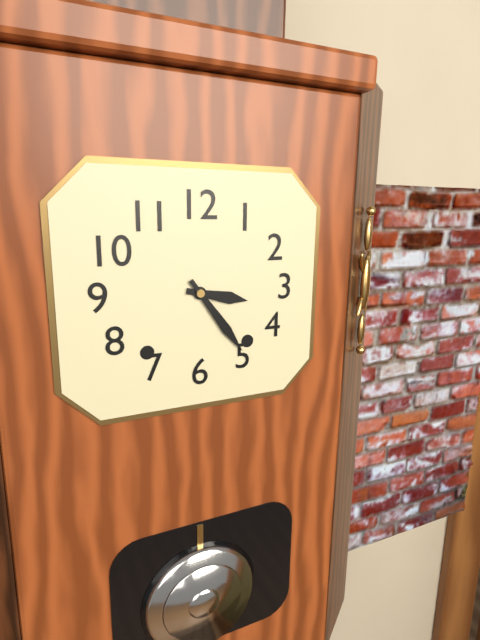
3:24
